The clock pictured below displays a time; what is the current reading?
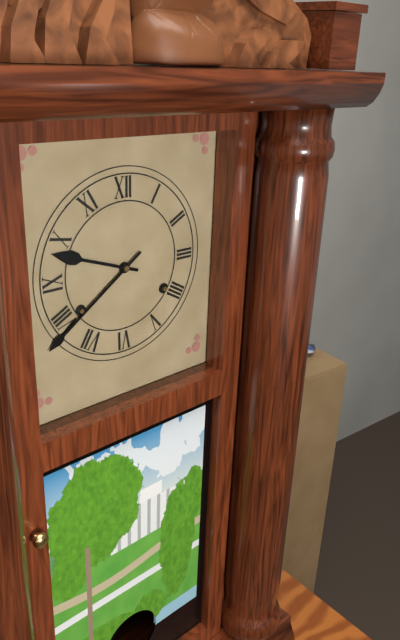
9:39
